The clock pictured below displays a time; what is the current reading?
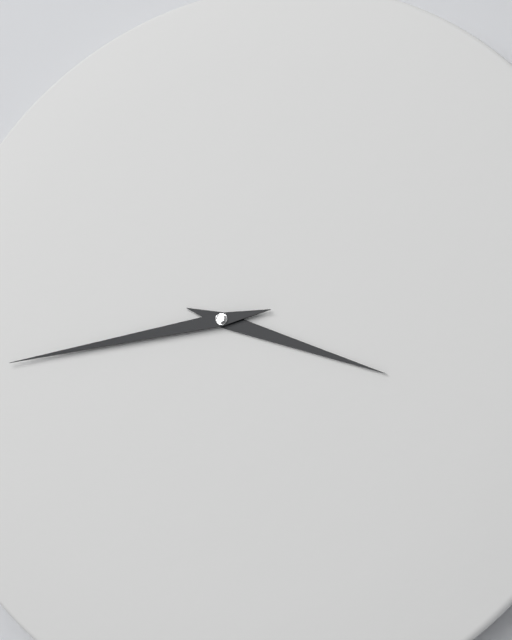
3:44
